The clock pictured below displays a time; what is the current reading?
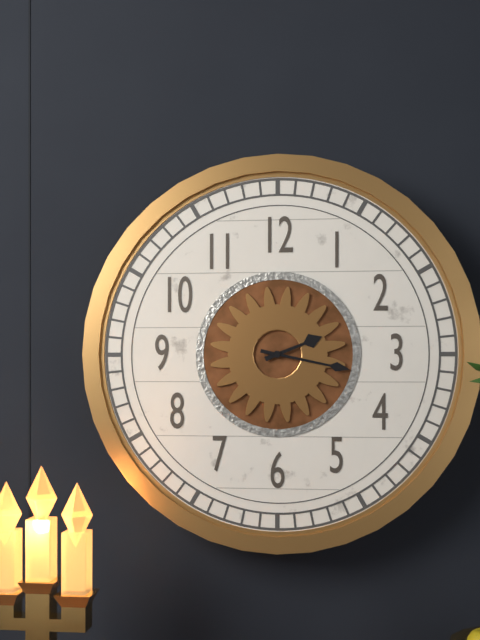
2:17
